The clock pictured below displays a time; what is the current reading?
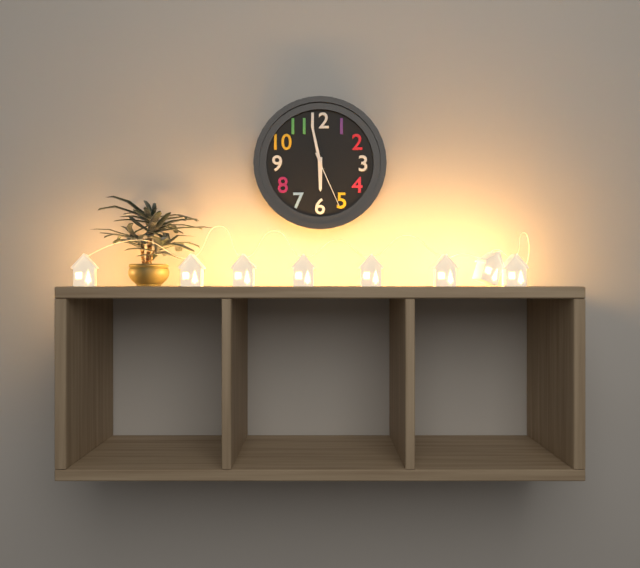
5:58:26
